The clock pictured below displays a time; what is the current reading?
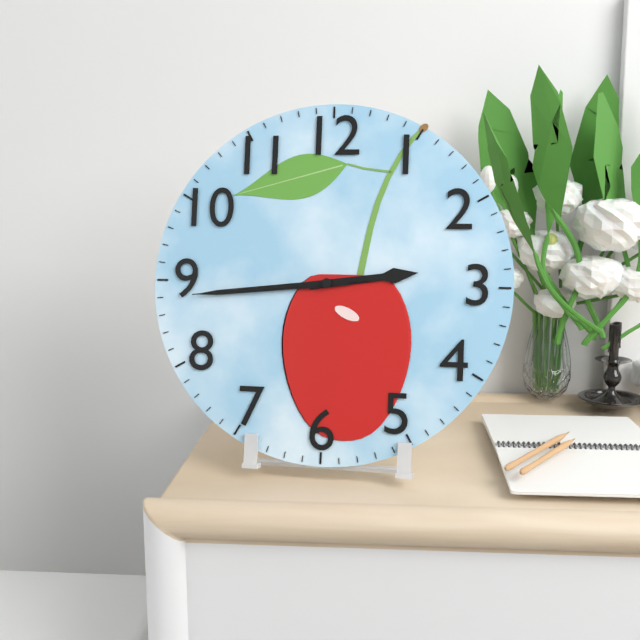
2:44:44
